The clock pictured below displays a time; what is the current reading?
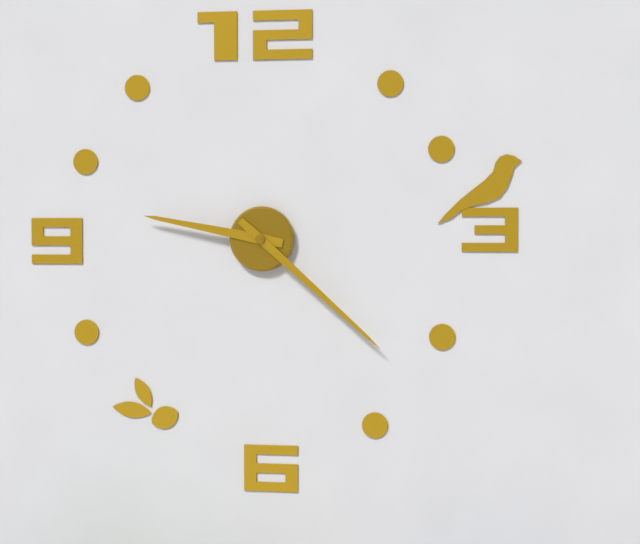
9:22
